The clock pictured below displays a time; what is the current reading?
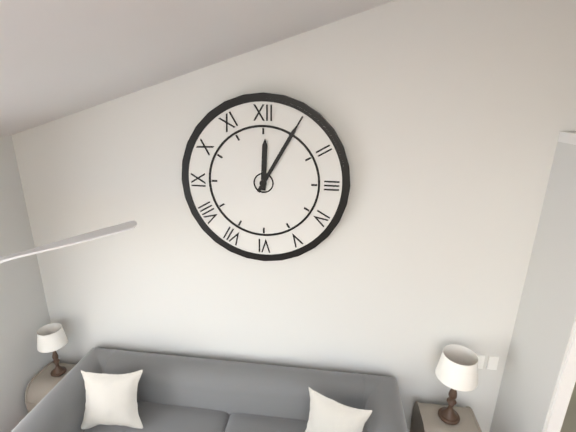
12:05
